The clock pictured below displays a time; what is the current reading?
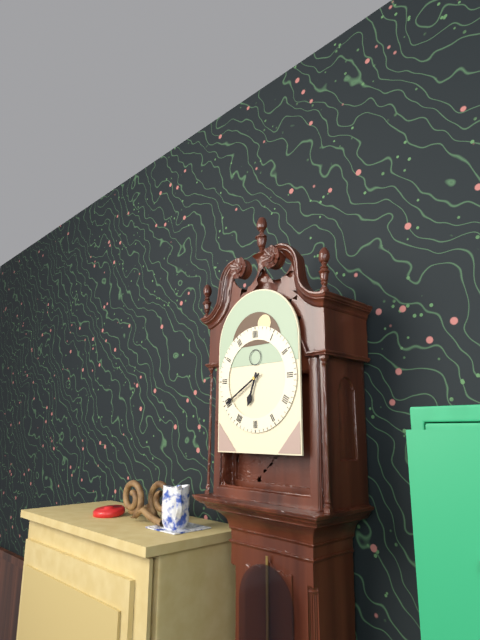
6:40
